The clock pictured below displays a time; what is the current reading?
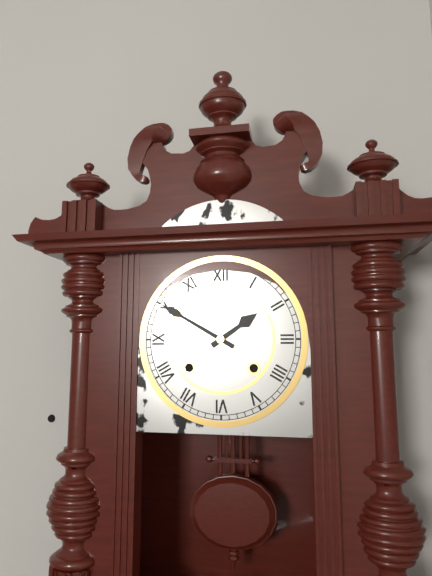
1:50
